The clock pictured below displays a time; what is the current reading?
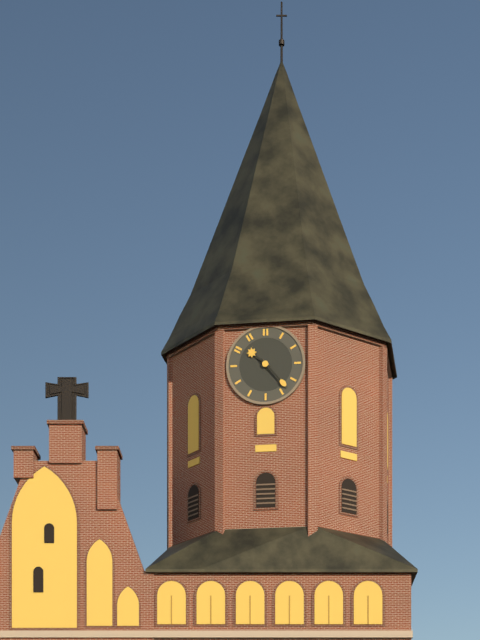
10:23
